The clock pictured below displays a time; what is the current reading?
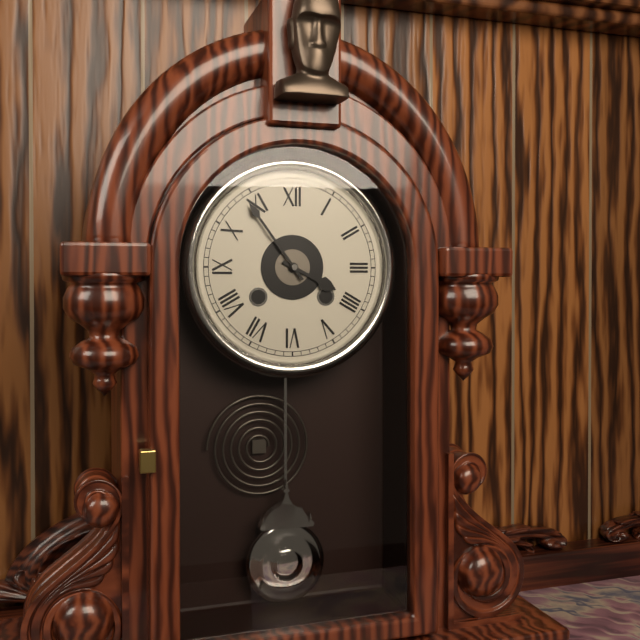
3:54
